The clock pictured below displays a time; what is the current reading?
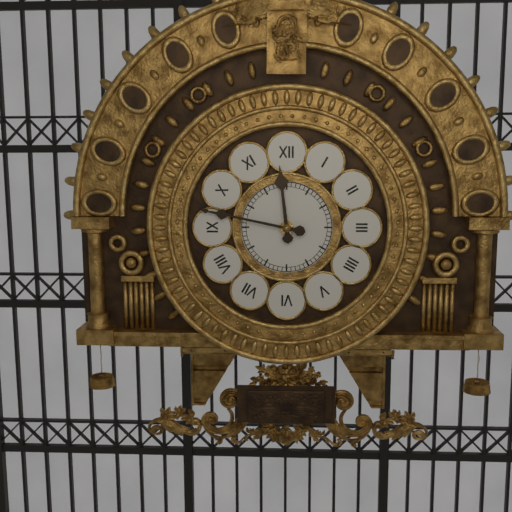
11:47
